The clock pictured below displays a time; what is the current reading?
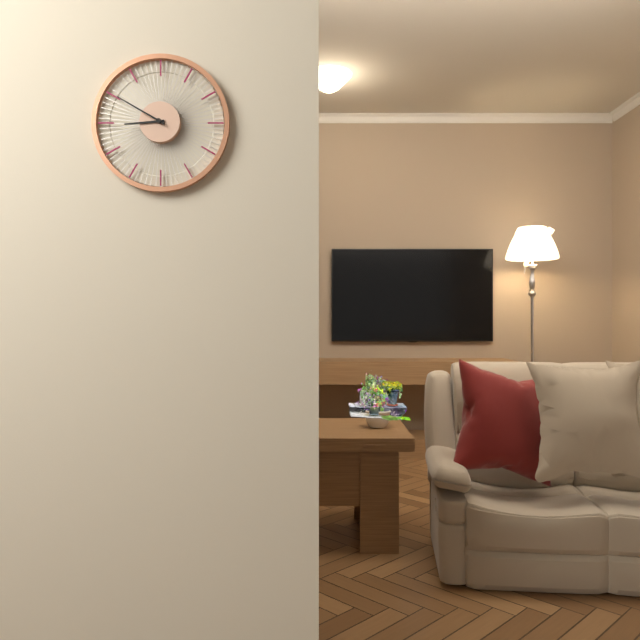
8:50
